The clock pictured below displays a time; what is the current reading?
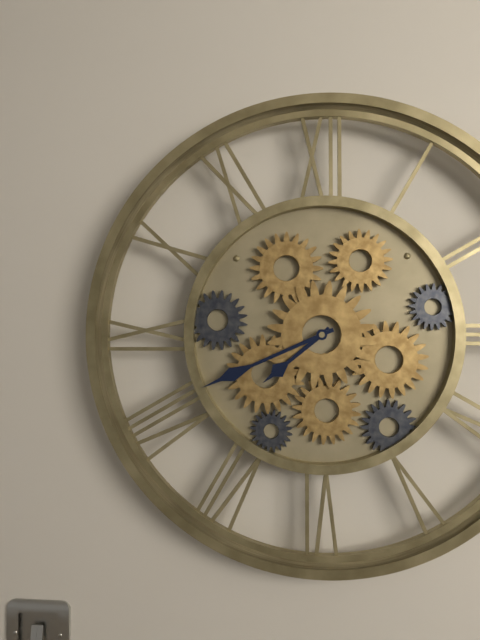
7:41
